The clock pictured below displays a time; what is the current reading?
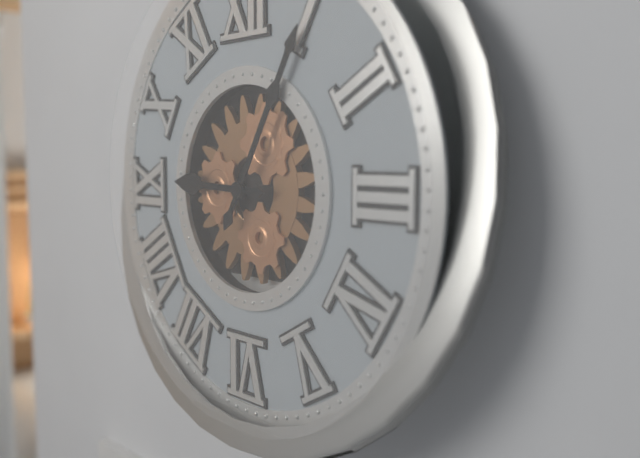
9:05
